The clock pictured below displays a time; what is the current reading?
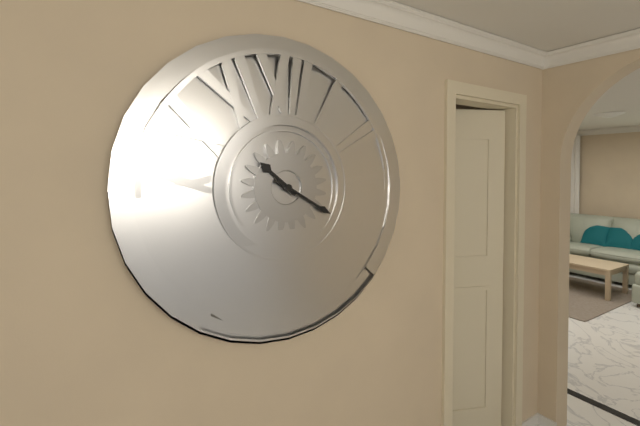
10:20
